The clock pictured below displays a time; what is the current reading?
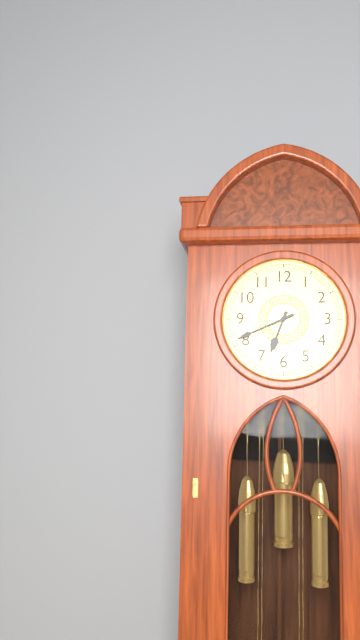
6:41
